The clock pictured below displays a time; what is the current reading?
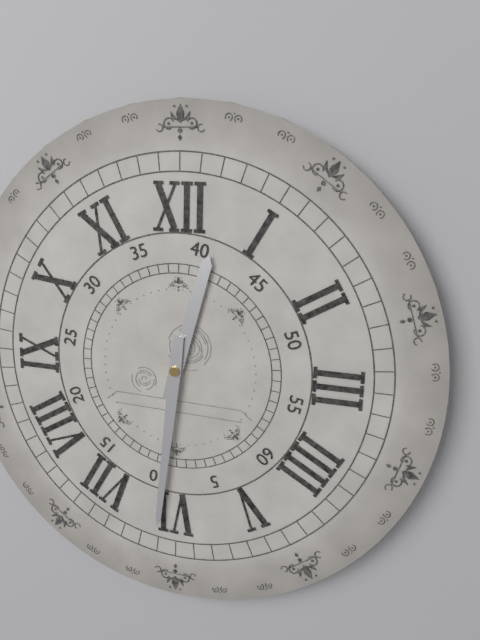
12:31
